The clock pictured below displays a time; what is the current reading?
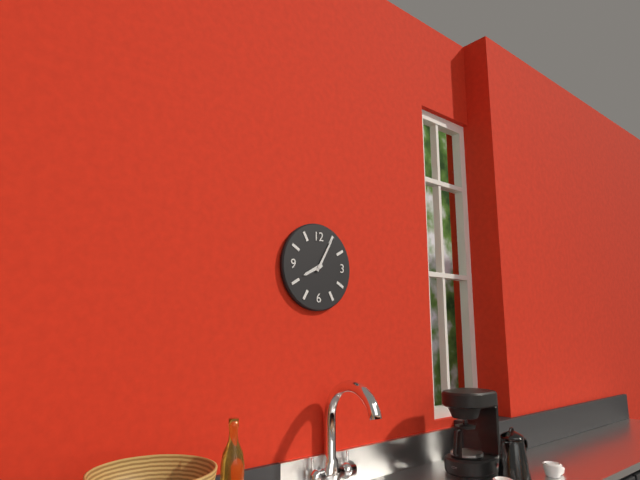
8:05
